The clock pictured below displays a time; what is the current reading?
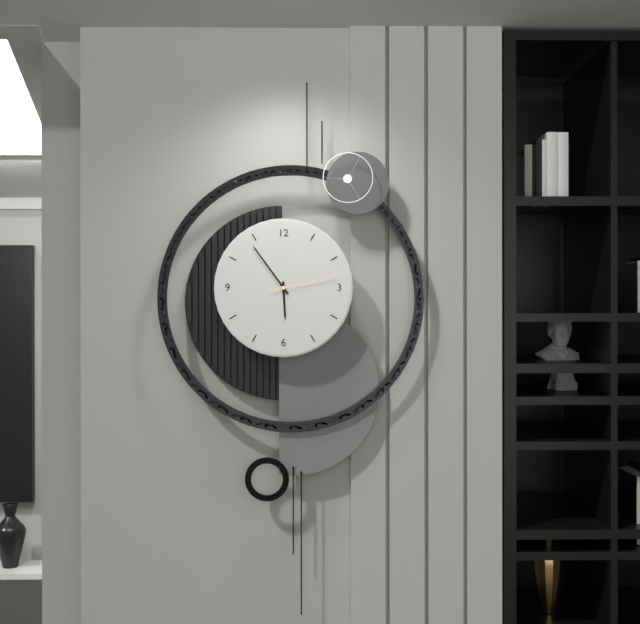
5:54:13
